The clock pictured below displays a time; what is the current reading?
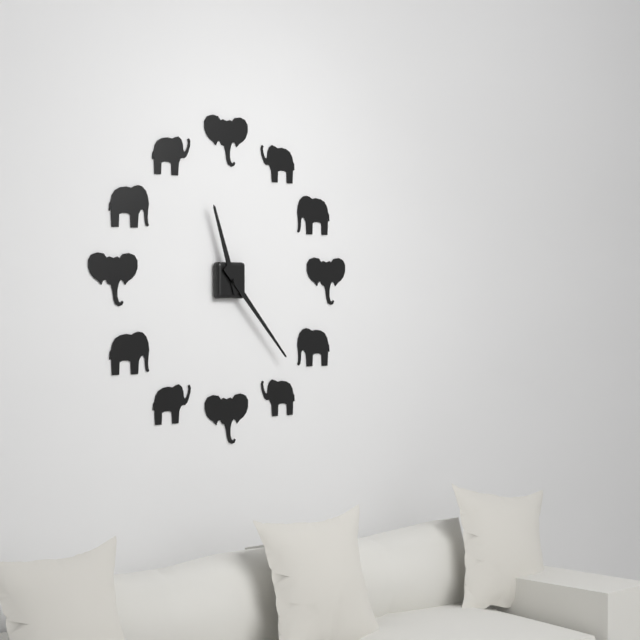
11:23
